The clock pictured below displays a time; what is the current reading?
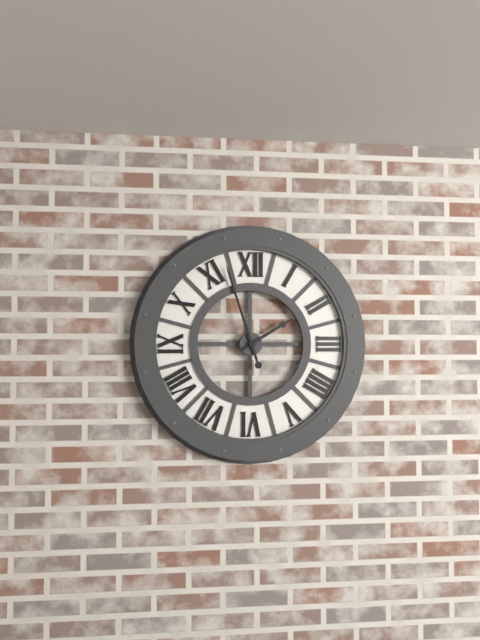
1:57
